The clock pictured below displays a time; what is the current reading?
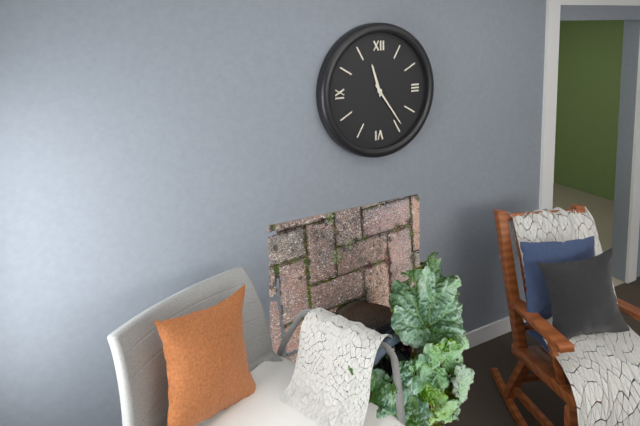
11:24
